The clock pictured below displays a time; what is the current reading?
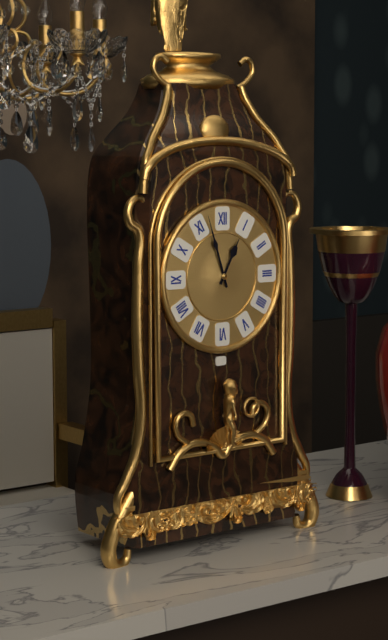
12:57
